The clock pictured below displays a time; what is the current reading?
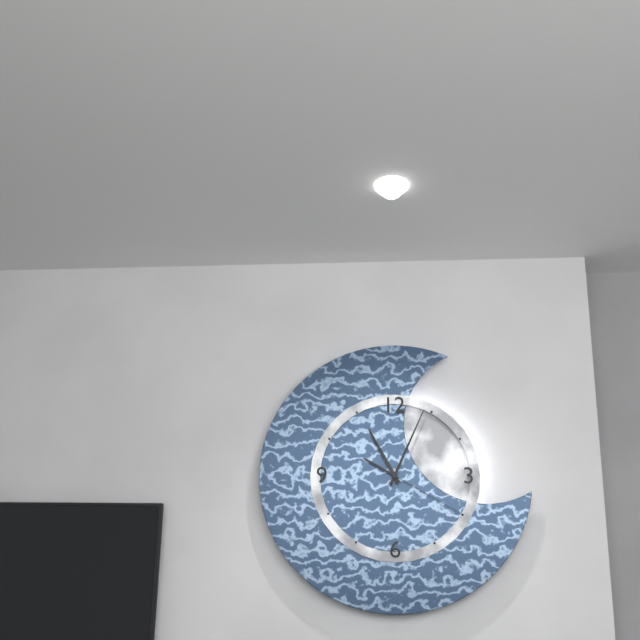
11:04:20
